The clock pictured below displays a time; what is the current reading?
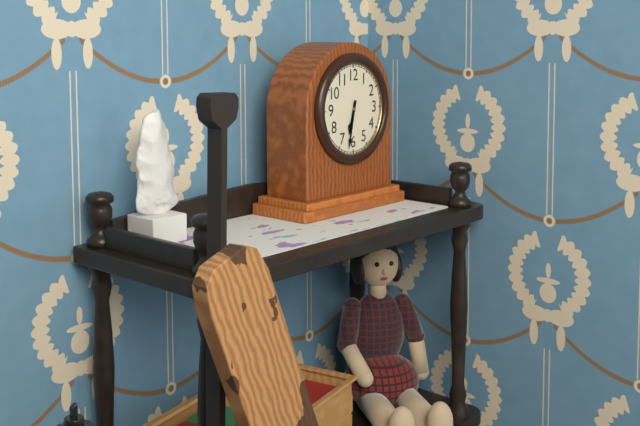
6:32
